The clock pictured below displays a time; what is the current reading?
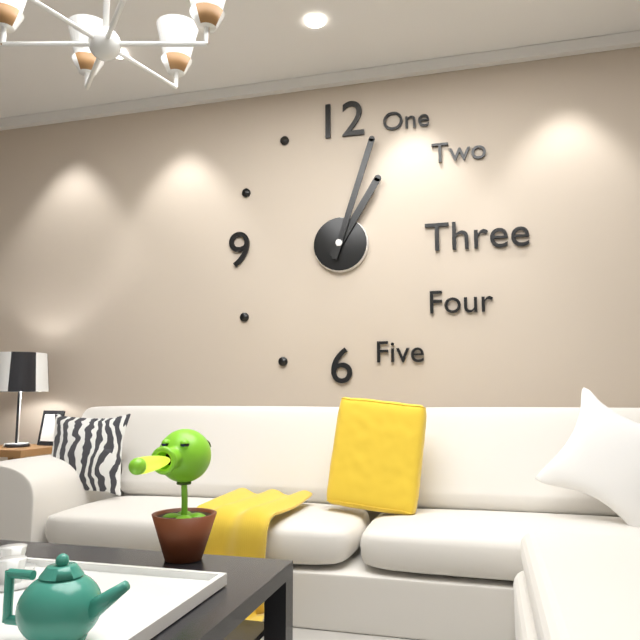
1:03
